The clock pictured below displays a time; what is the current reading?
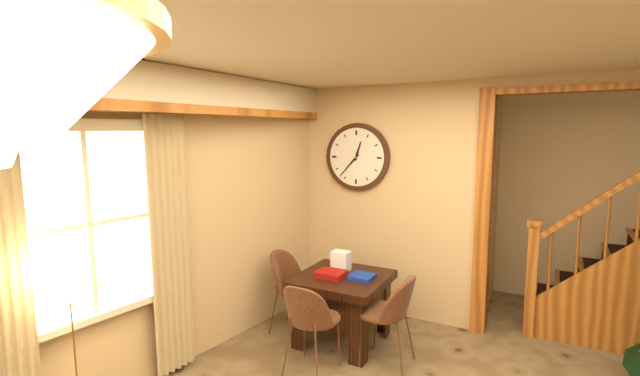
12:37
